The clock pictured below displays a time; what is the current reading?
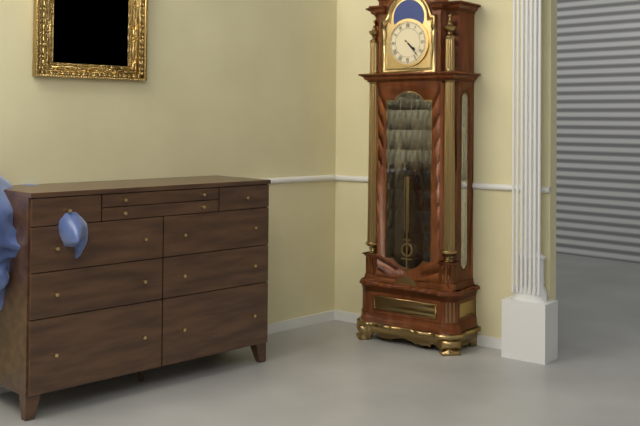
4:23
